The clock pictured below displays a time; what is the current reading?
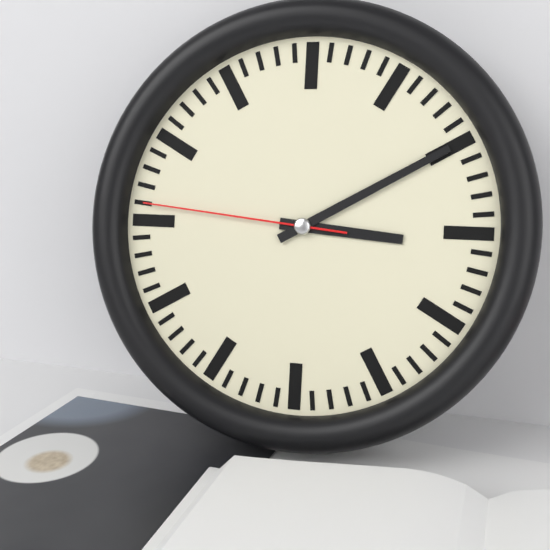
3:10:46
